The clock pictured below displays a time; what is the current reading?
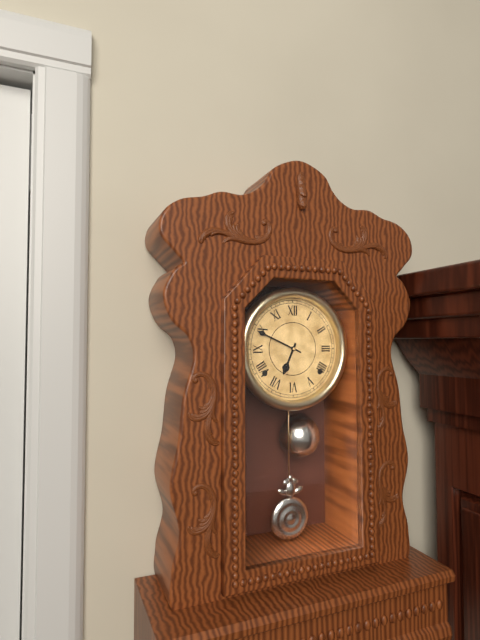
6:49
